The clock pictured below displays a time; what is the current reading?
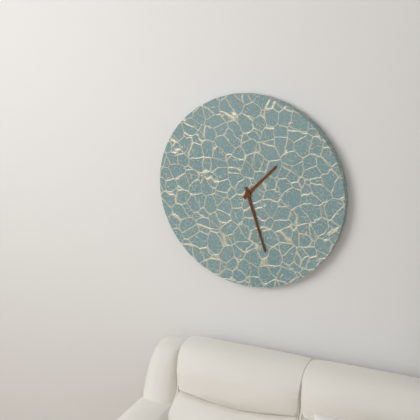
1:27
